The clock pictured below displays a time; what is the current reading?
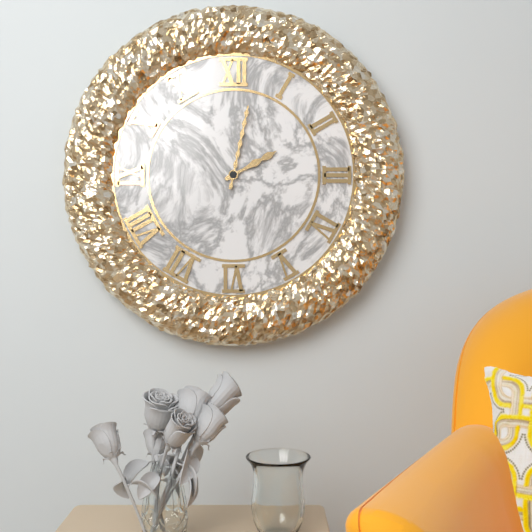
2:02
